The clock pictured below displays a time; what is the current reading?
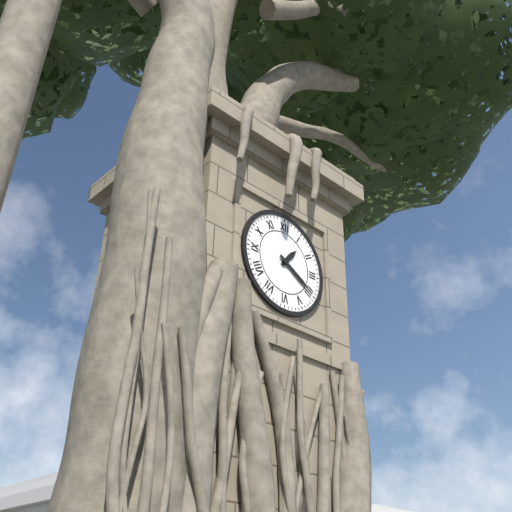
1:20
